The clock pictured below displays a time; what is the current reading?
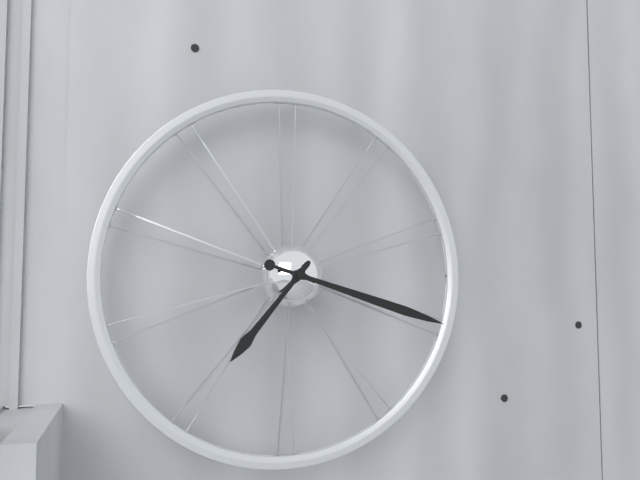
7:18
